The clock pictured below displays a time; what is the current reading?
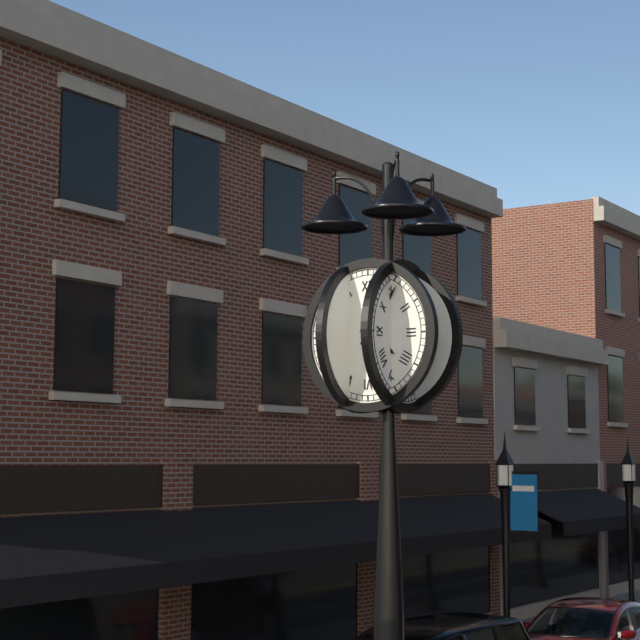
4:06
